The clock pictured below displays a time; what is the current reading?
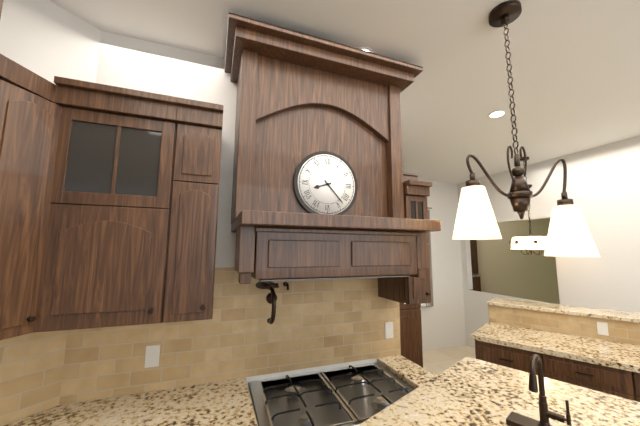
8:23
